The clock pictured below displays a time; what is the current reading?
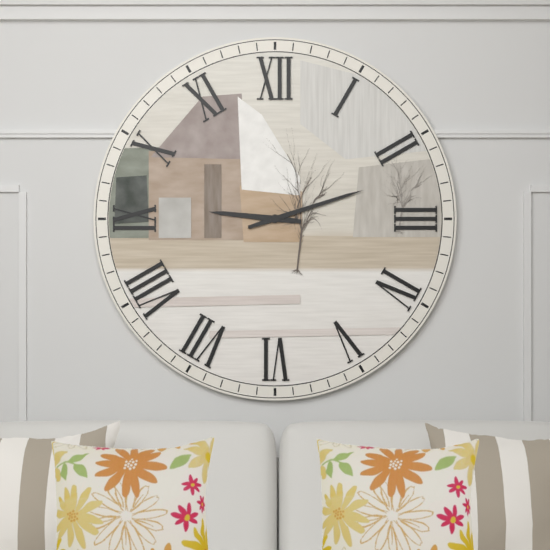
9:12
